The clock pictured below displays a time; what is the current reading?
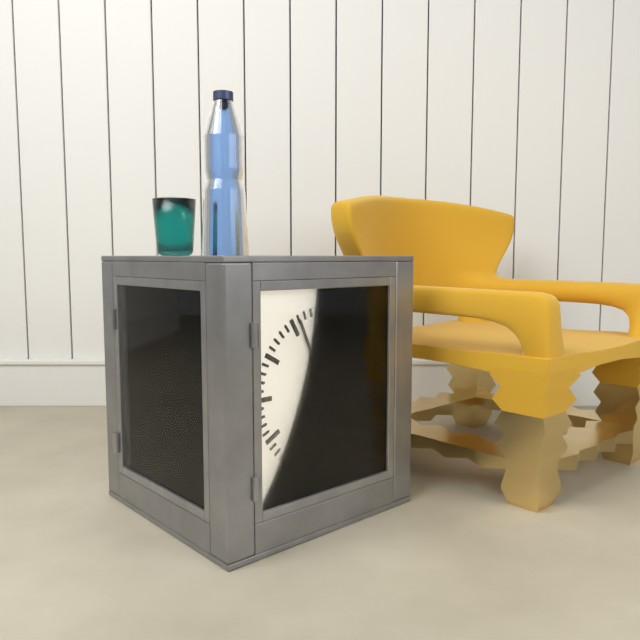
1:56
